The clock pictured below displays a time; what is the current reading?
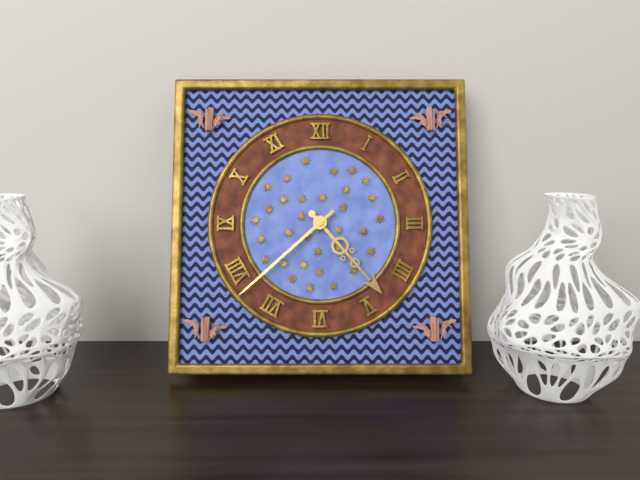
4:38
